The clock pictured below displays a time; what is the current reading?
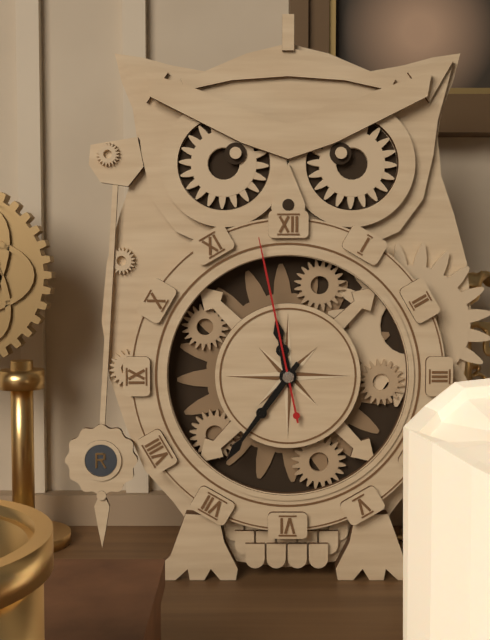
11:36:58
